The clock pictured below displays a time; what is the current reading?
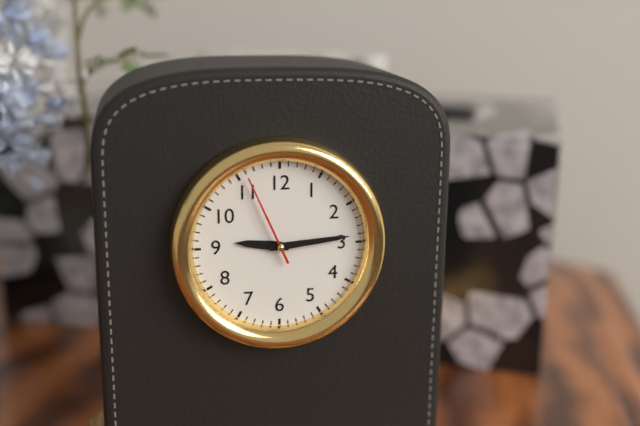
9:14:56
